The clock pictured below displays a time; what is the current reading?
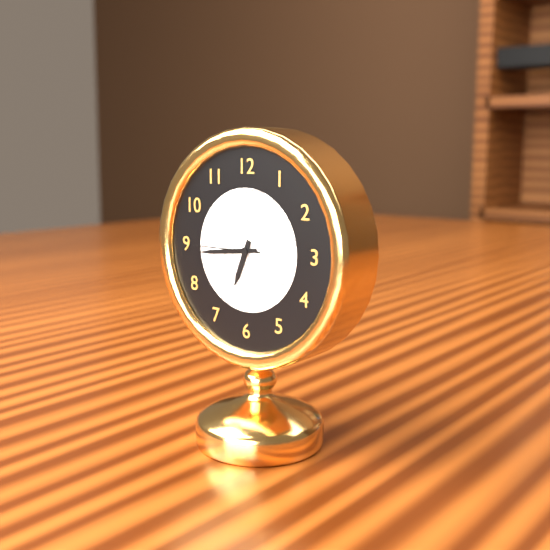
6:44:45
